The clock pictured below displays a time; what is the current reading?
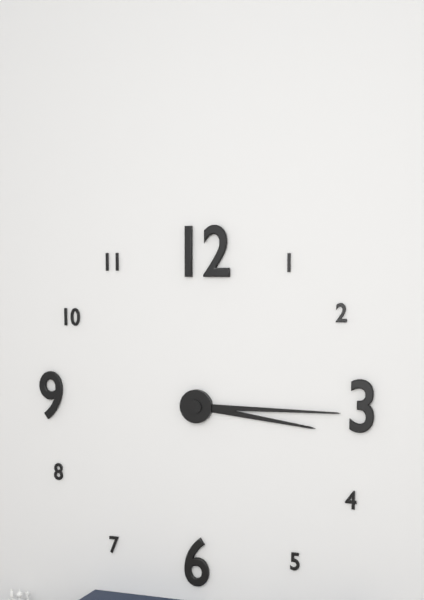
3:15
